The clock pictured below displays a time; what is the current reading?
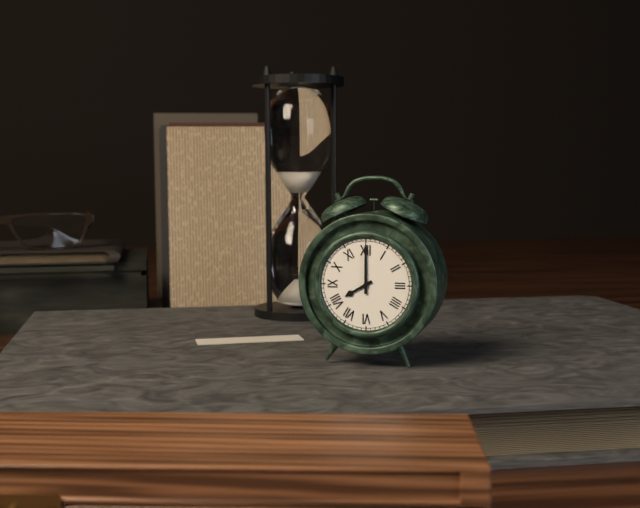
8:00
